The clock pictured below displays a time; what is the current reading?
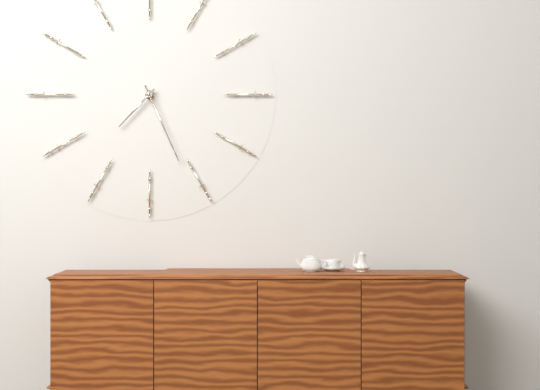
7:26
